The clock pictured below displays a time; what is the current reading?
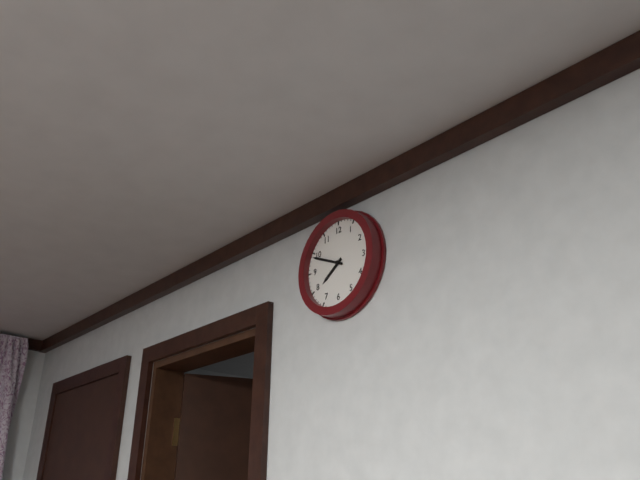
7:49
